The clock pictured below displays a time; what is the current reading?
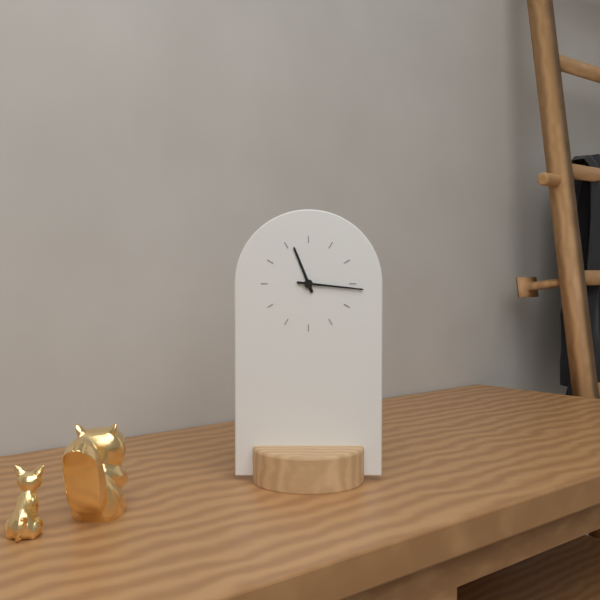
11:16
